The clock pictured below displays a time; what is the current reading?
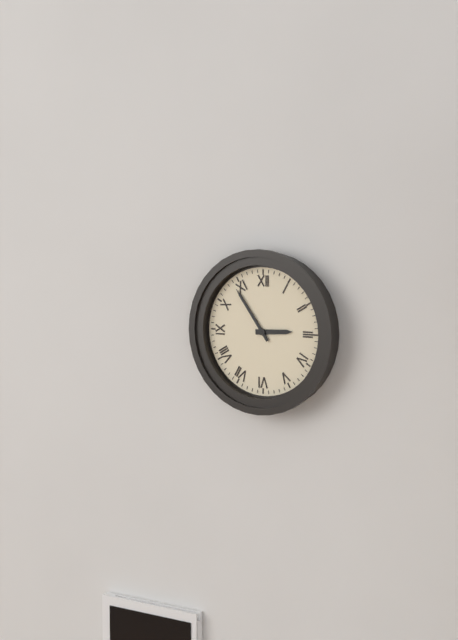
2:54
